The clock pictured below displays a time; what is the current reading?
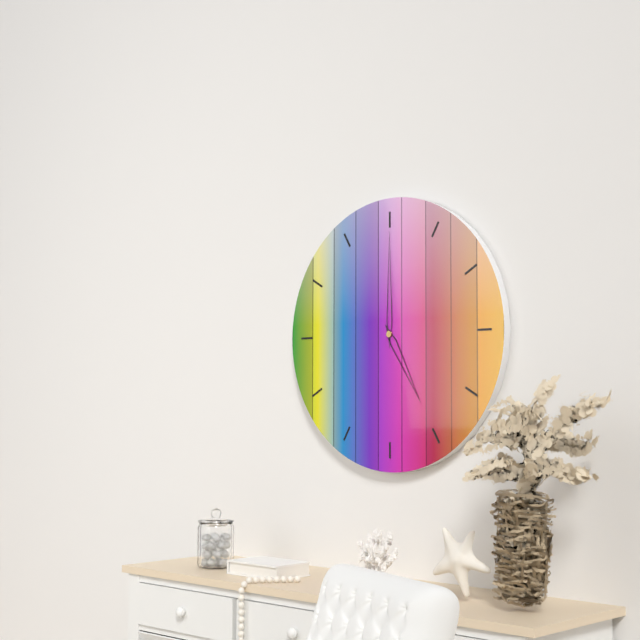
5:00
